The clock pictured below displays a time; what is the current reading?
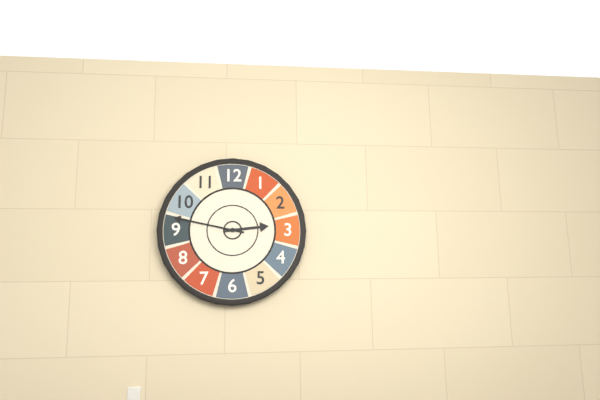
2:47
